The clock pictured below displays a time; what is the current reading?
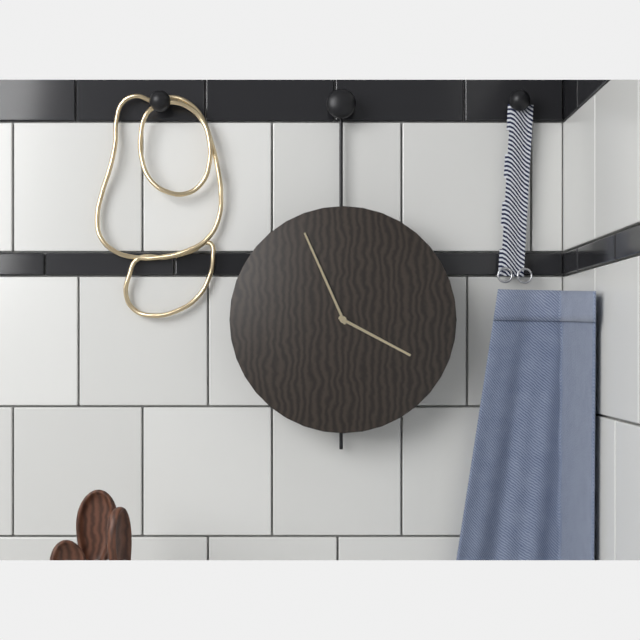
3:56
